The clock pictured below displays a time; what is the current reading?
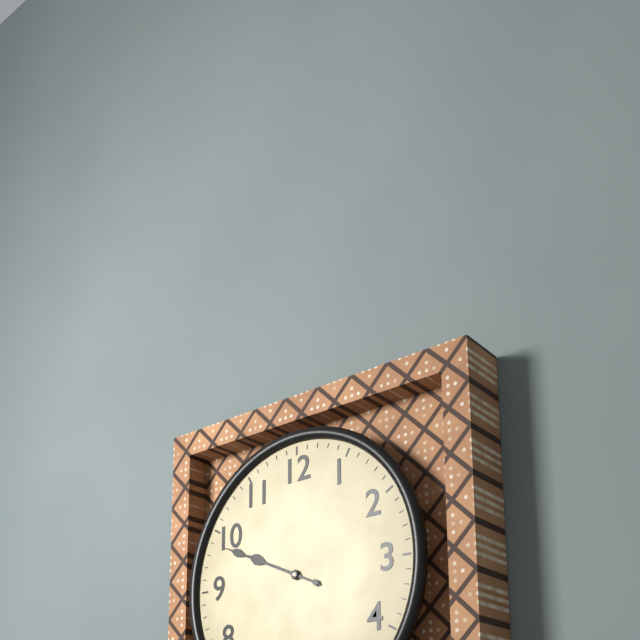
9:49
